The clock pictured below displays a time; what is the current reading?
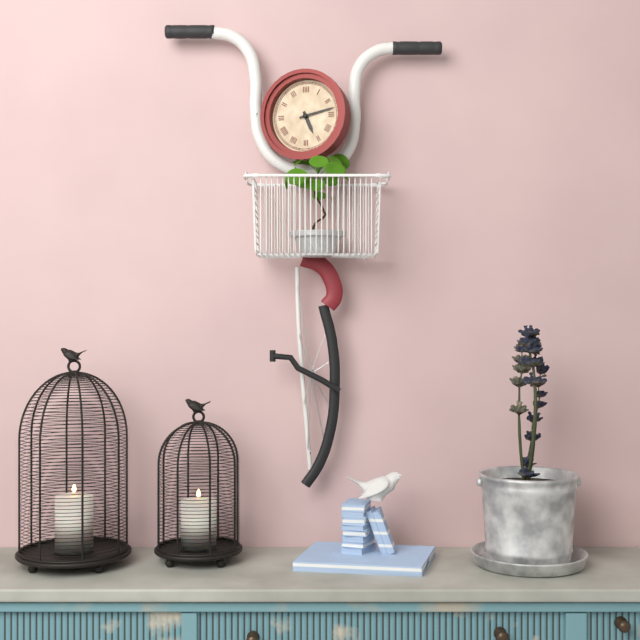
5:13
